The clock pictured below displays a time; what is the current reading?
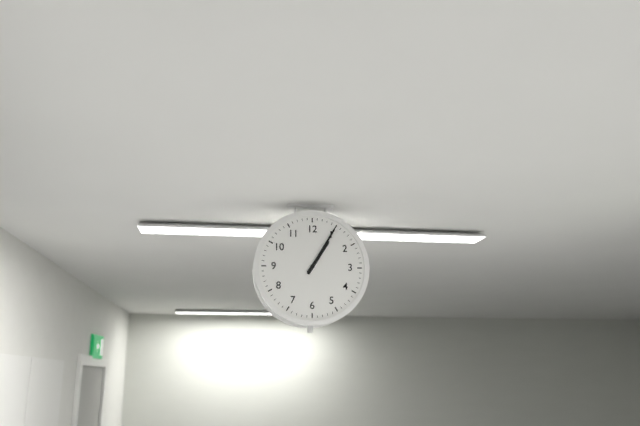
1:05
